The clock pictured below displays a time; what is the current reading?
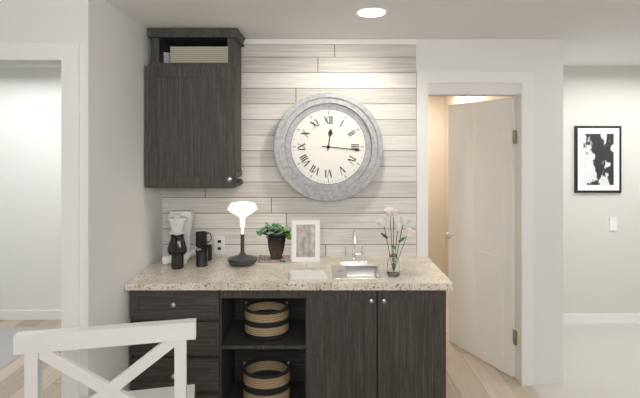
12:16
